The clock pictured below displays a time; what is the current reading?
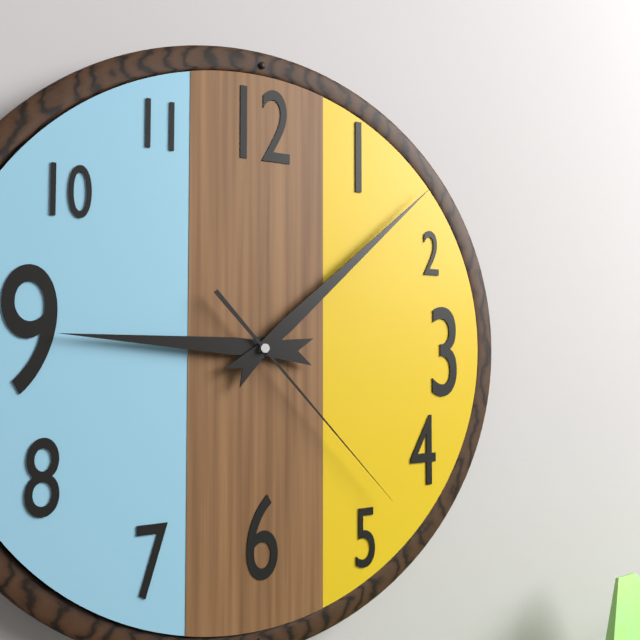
9:08:23
